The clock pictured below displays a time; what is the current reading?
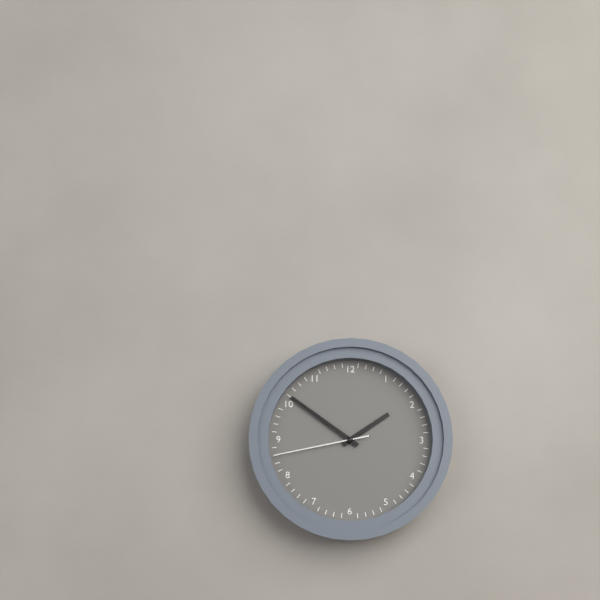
1:51:43
